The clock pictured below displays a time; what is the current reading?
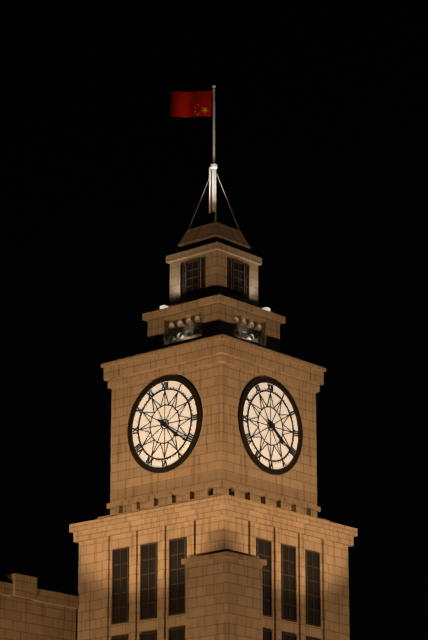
4:21
